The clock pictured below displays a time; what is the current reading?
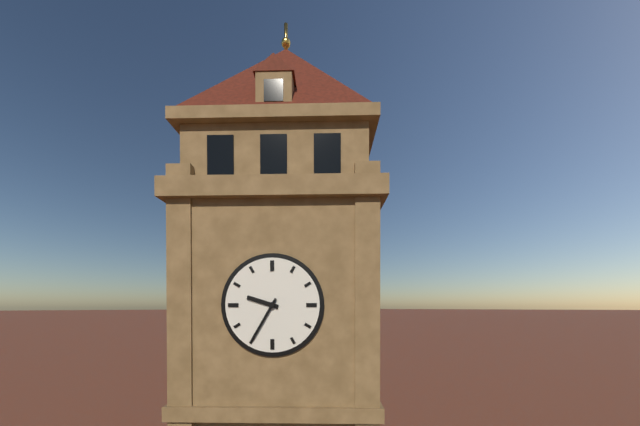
9:35
